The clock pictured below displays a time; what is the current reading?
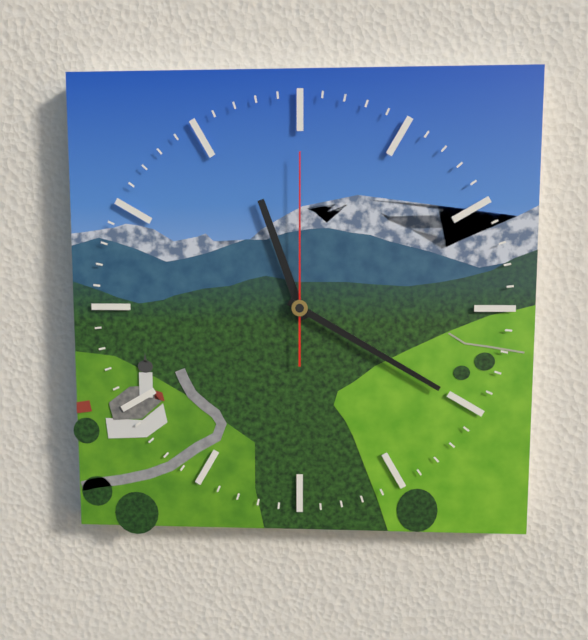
11:20:00
